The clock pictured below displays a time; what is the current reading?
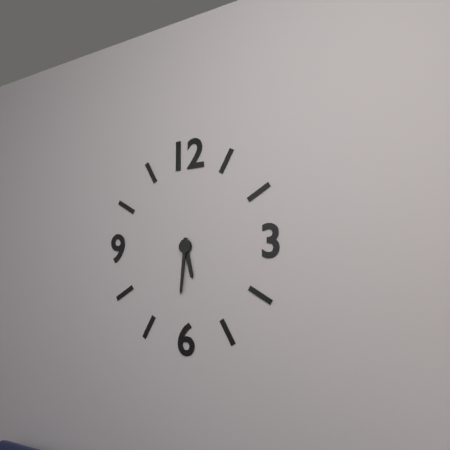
5:31
